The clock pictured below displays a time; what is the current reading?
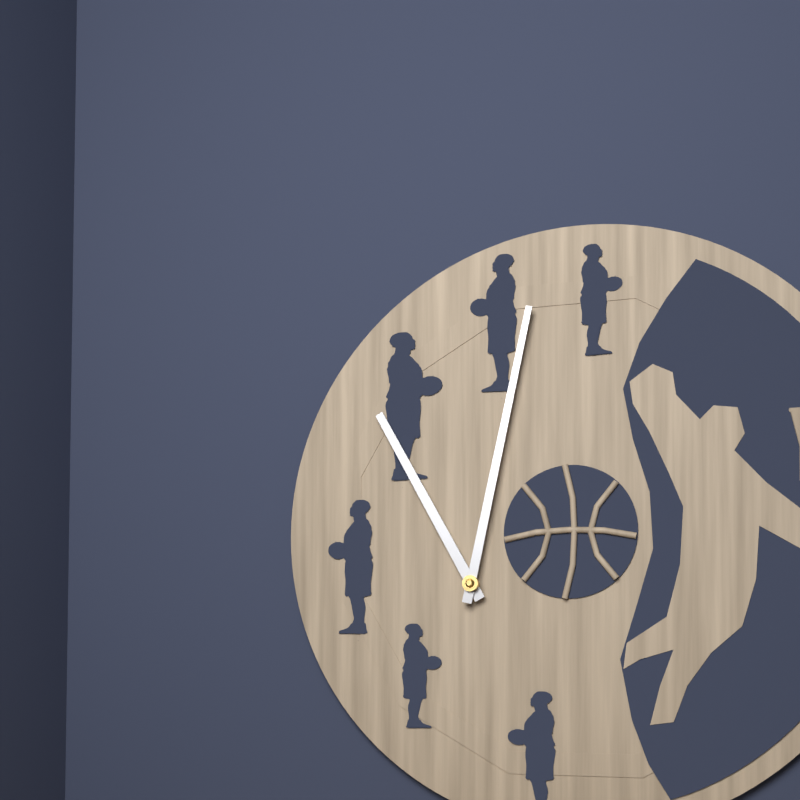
11:02
